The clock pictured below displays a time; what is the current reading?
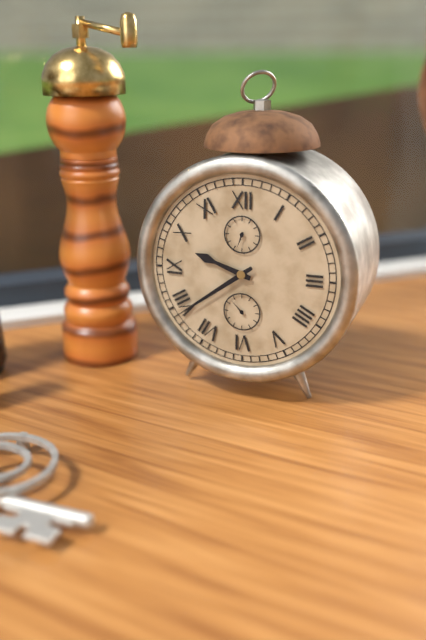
9:39
